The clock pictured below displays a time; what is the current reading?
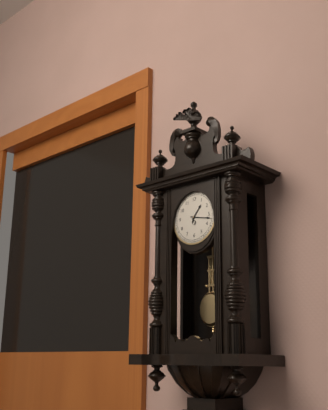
1:17
